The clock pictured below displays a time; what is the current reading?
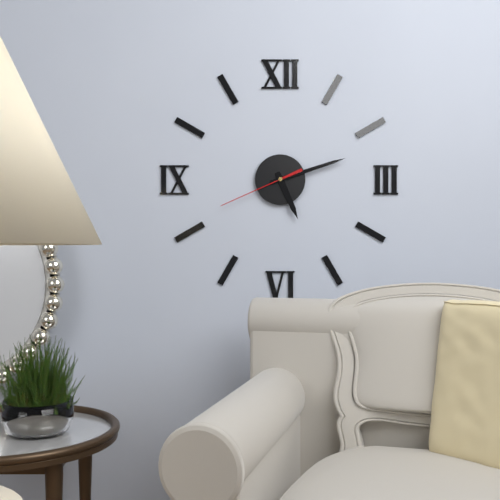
5:12:41
